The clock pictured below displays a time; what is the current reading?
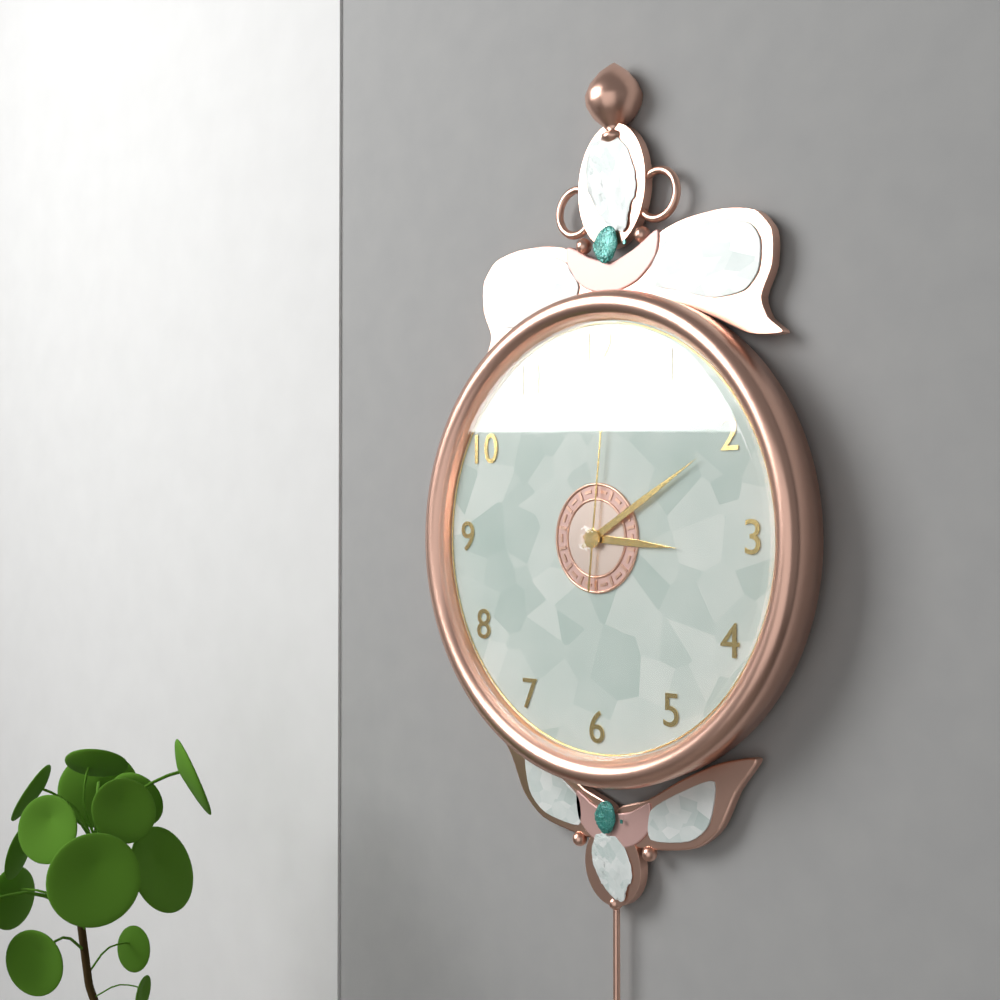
3:10:01
